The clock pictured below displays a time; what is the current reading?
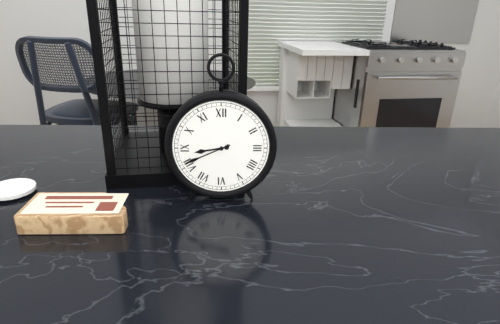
8:41
